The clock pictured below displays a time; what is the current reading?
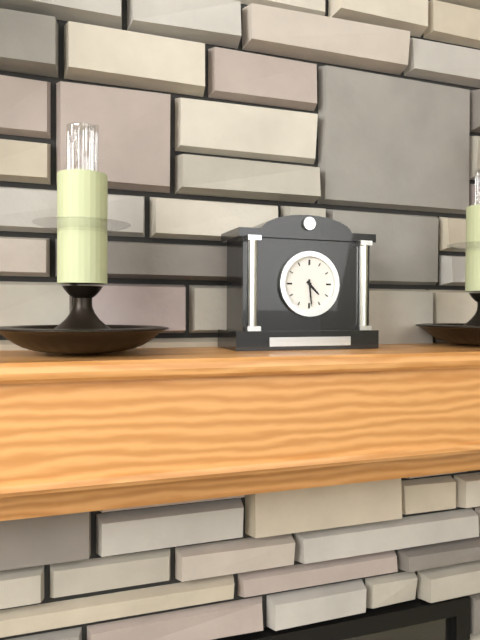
4:29
